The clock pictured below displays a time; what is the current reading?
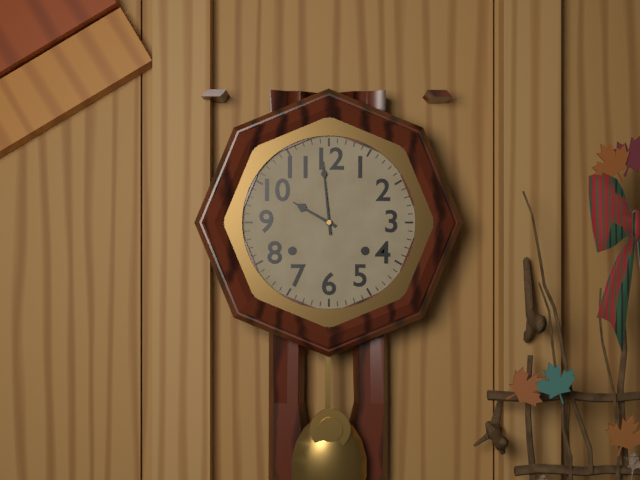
9:59
